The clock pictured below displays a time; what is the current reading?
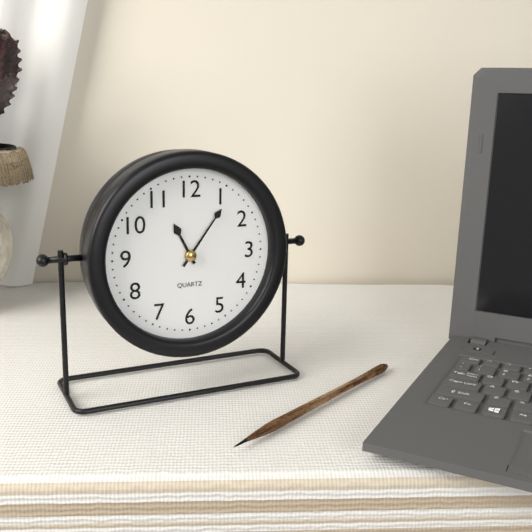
11:06
